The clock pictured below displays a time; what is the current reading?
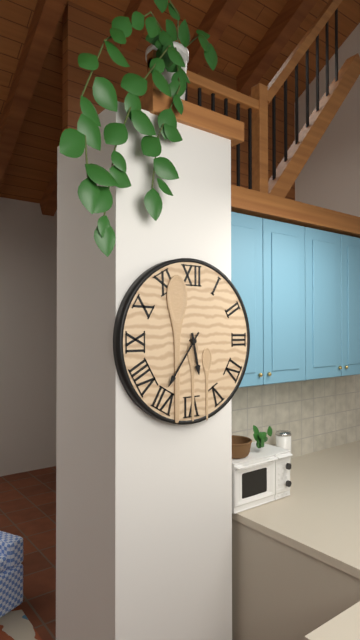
5:36
